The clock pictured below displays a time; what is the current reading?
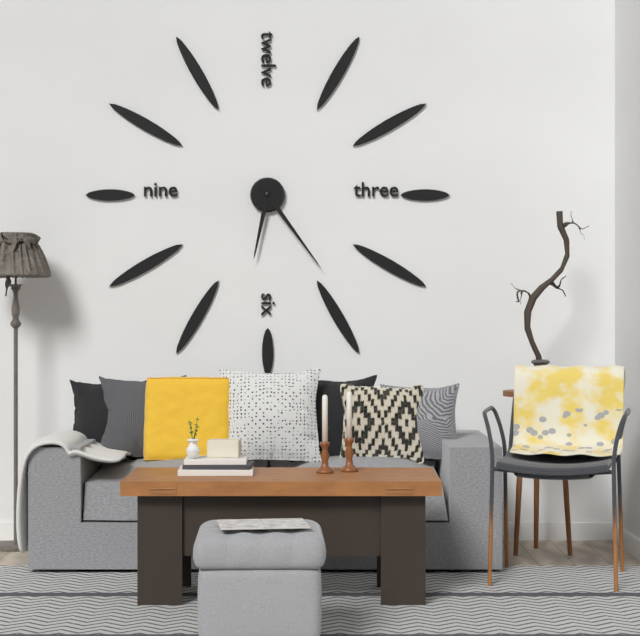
6:24
